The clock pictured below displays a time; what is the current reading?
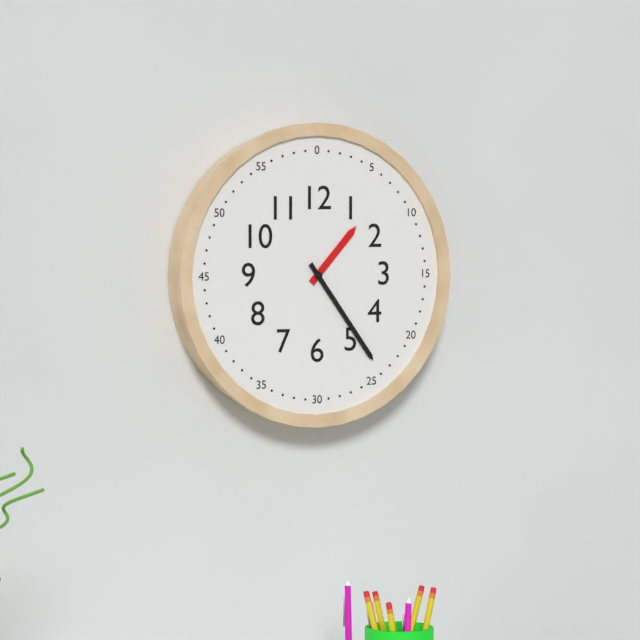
1:24
